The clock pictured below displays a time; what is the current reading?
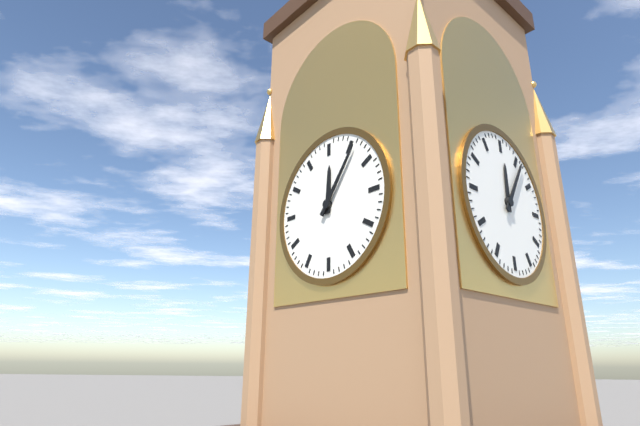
12:06
